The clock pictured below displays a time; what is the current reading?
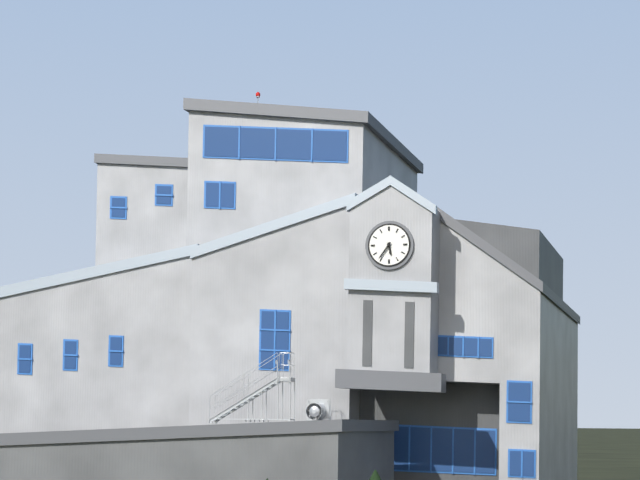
5:36
